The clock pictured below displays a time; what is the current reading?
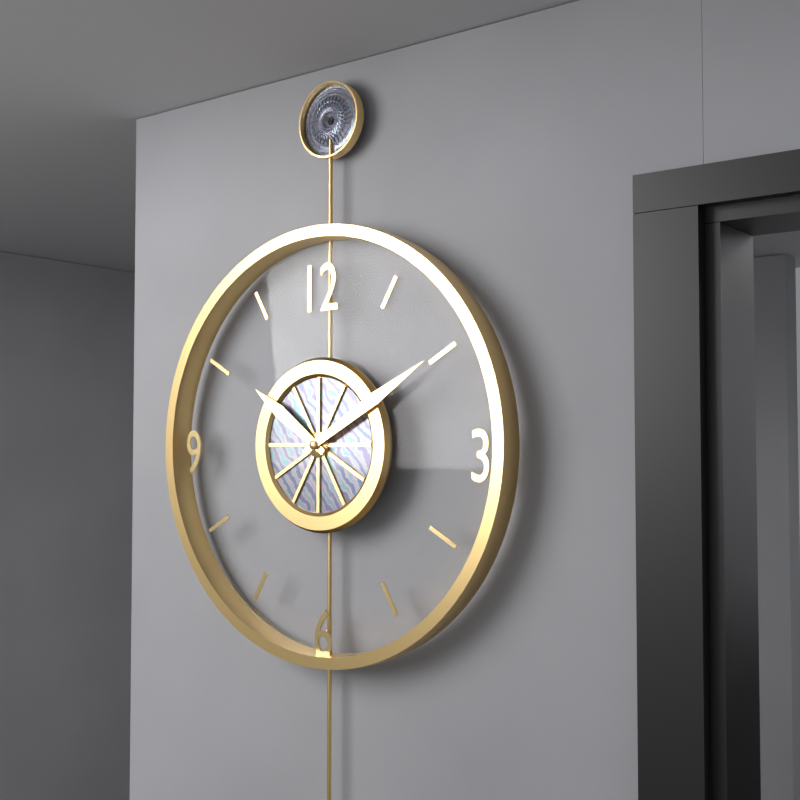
10:10
